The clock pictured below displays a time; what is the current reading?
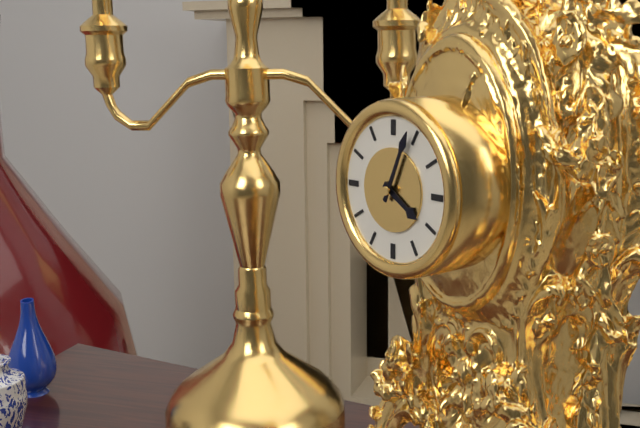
4:04
